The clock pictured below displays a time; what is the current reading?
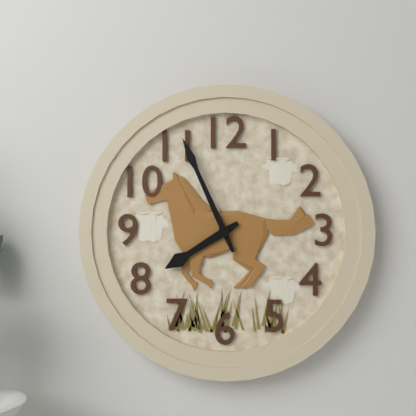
7:56
